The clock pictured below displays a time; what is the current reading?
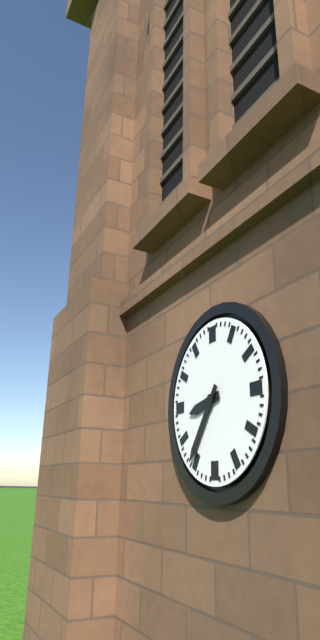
8:36
